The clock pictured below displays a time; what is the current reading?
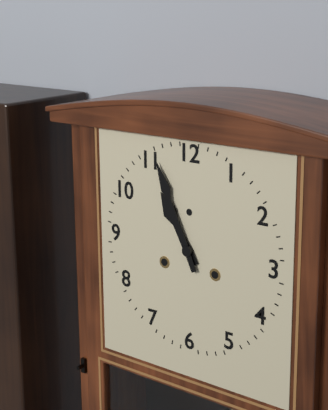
10:56
